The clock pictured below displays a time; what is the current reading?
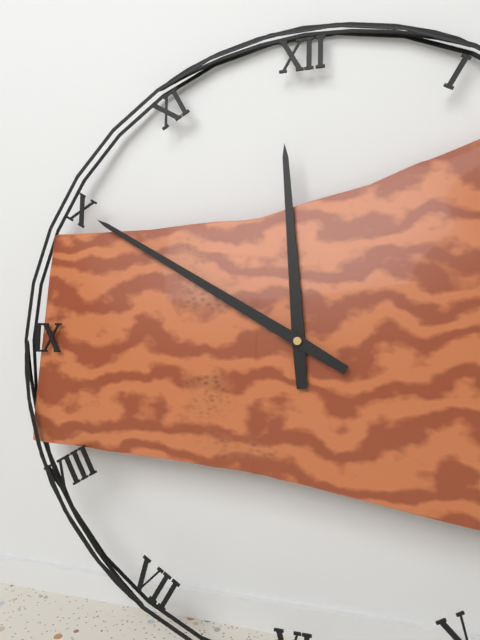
11:50
